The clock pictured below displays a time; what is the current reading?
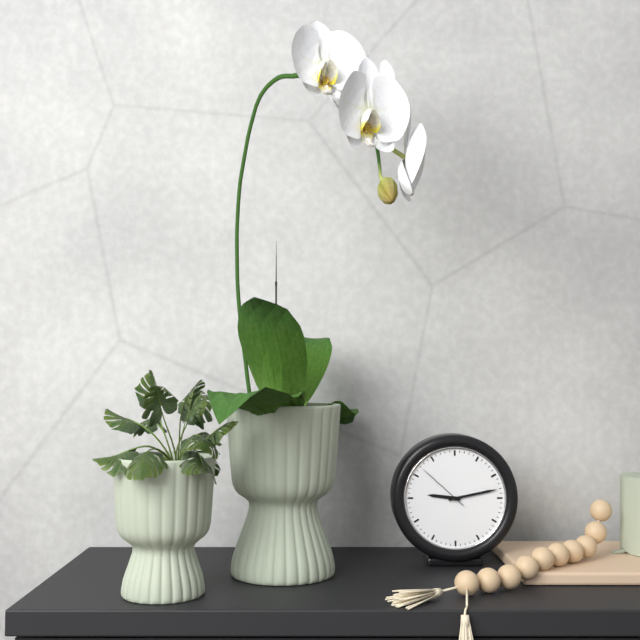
9:13:52
